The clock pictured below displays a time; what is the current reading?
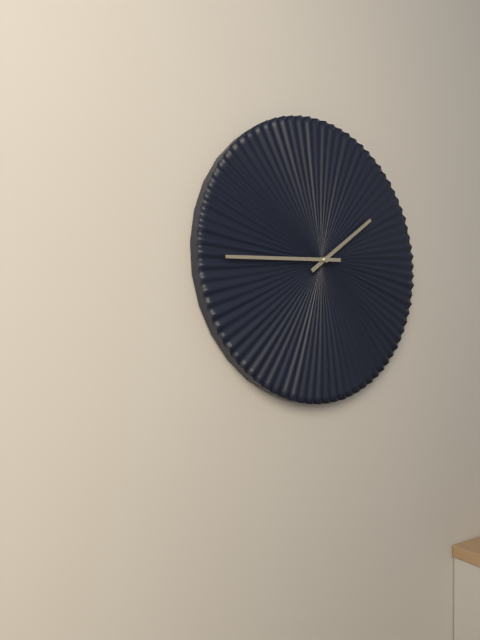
1:44
